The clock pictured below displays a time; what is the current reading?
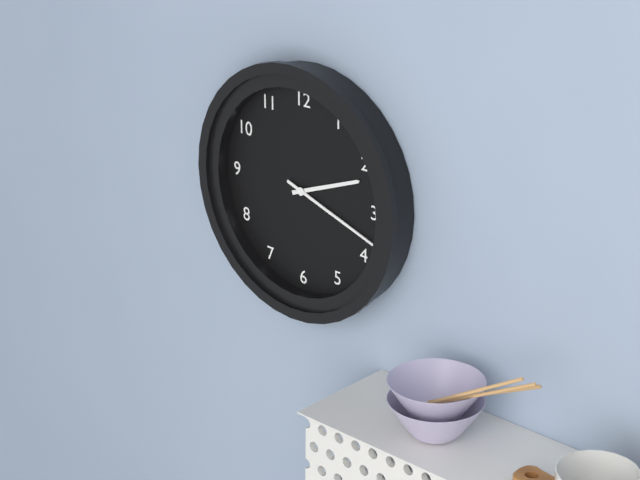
2:18
